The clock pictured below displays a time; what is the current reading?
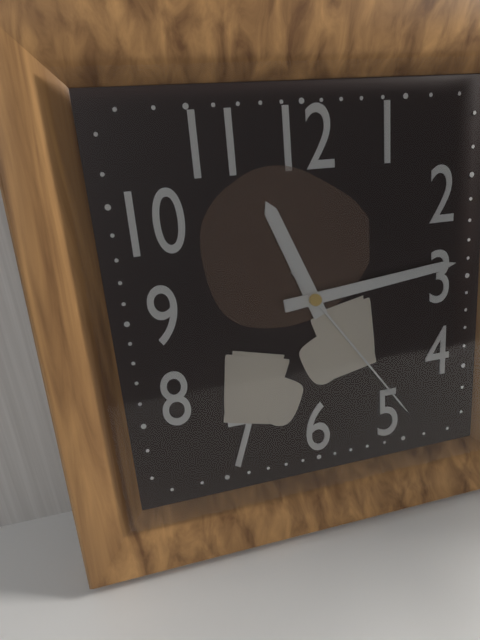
11:14:24
